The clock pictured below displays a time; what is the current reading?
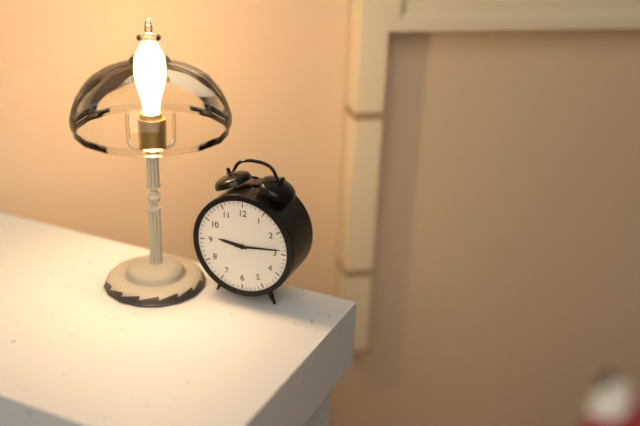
9:14
